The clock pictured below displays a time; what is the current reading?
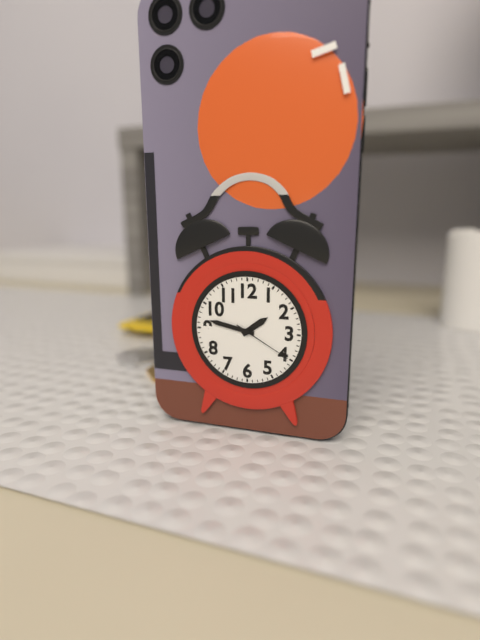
1:47:20
